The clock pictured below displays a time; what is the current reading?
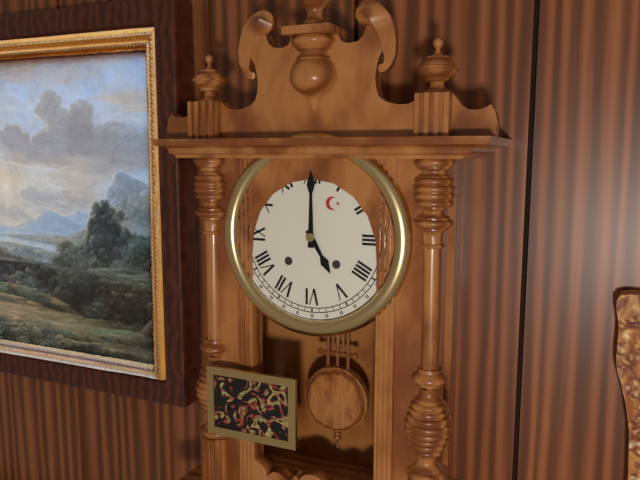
5:00
